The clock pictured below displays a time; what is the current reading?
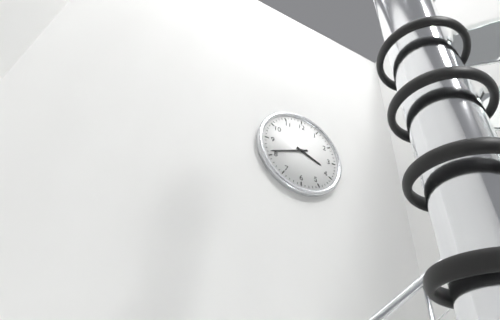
3:41
